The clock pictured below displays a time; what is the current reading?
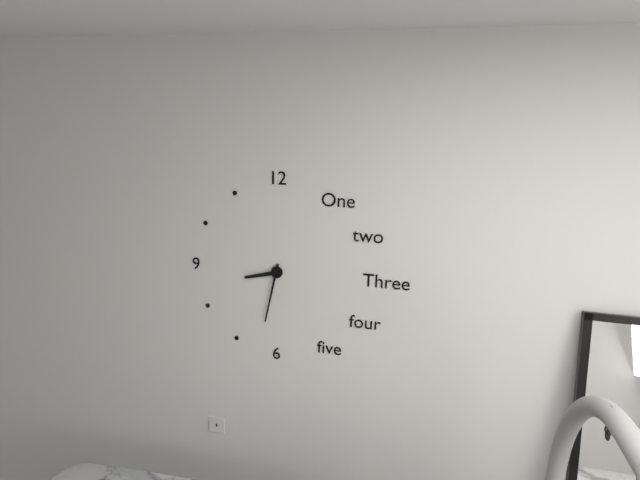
8:32
